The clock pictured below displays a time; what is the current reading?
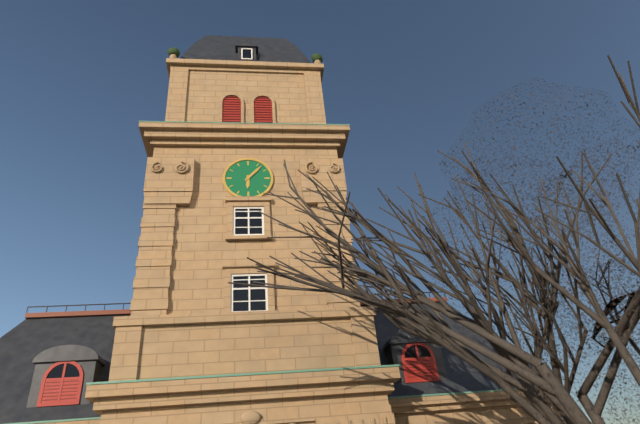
6:07
